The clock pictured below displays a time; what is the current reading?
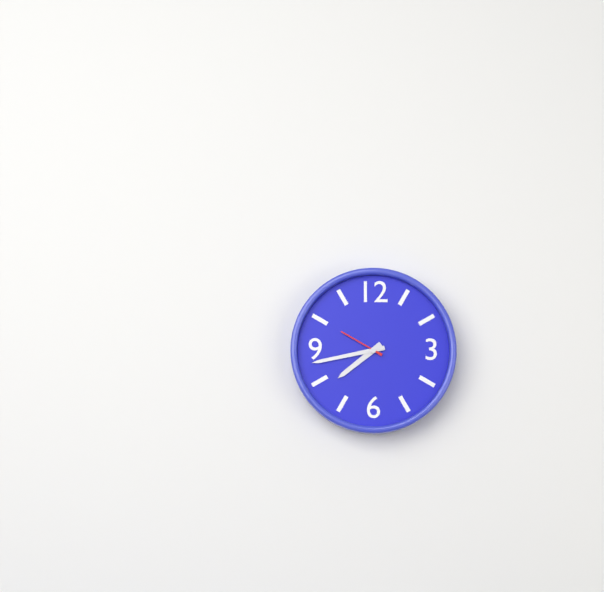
7:43
